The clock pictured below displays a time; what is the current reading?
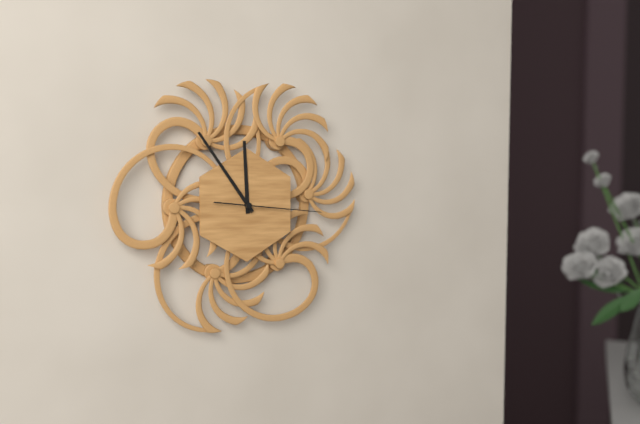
11:54:16
